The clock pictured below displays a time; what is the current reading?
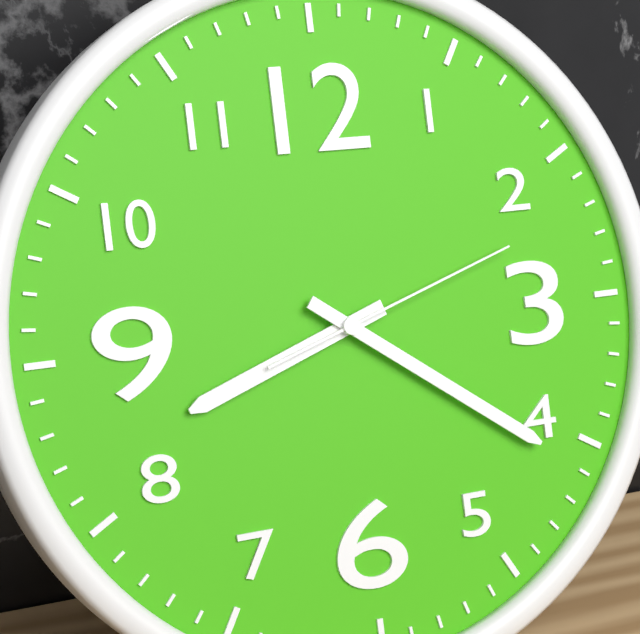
8:21:12
